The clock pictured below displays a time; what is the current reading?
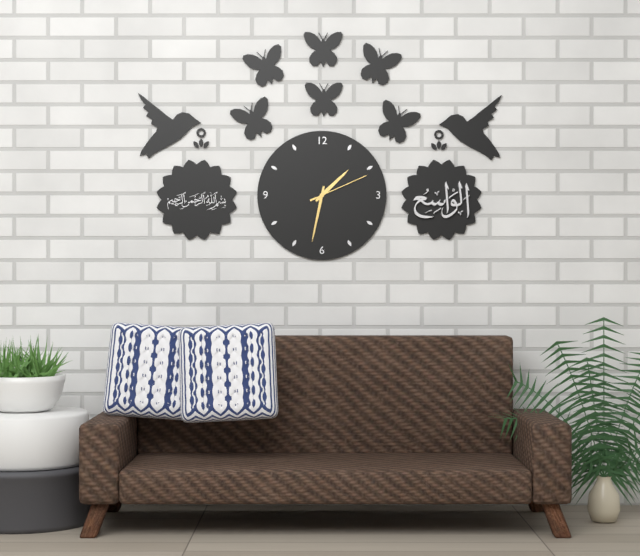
1:32:11
